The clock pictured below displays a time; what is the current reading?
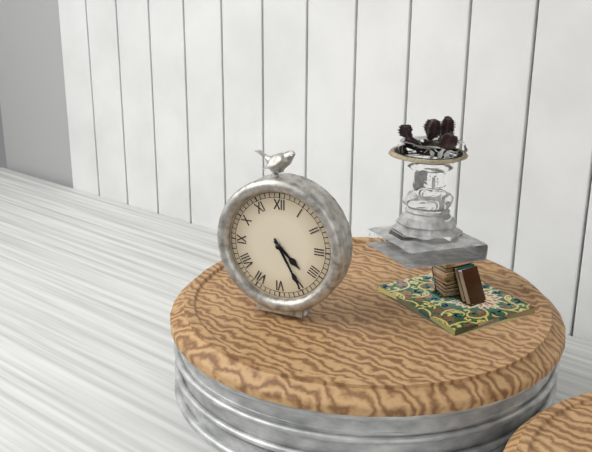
4:25
